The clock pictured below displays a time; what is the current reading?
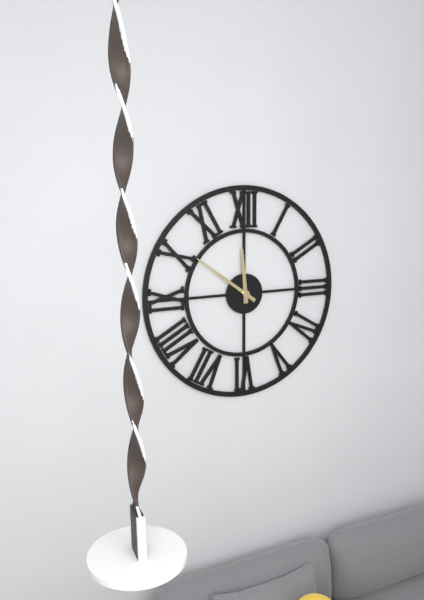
11:51
